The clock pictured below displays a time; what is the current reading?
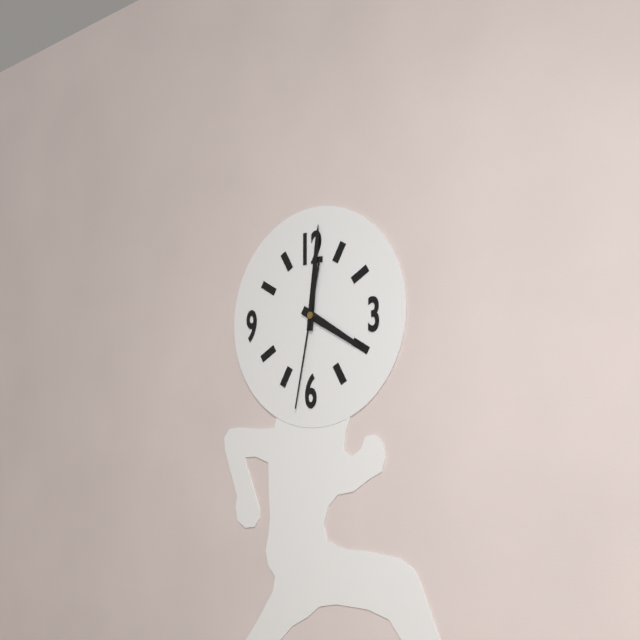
4:01:32
